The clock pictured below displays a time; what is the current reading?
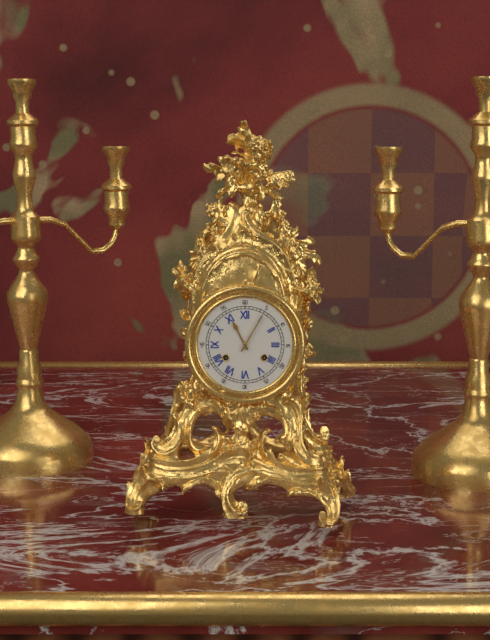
11:05
